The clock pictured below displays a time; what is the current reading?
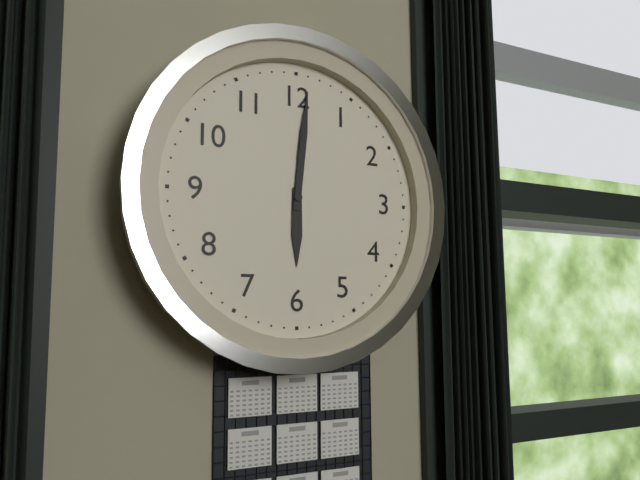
6:01
